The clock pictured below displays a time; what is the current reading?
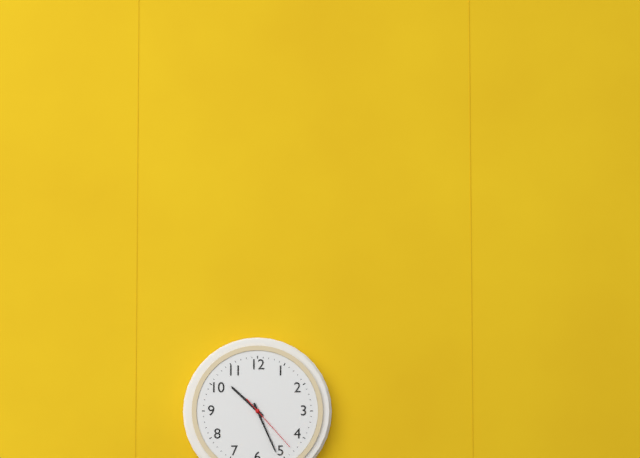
10:26:23
